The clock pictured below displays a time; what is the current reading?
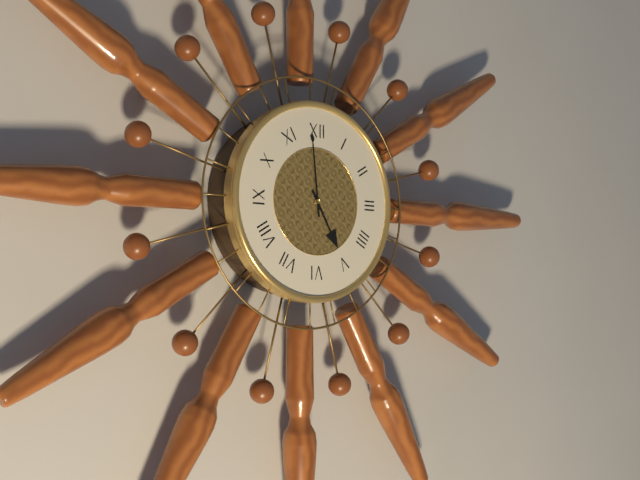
4:59
